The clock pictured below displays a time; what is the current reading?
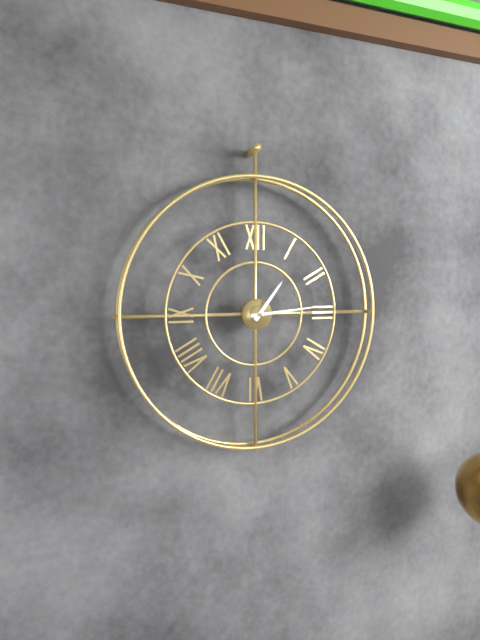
1:14
